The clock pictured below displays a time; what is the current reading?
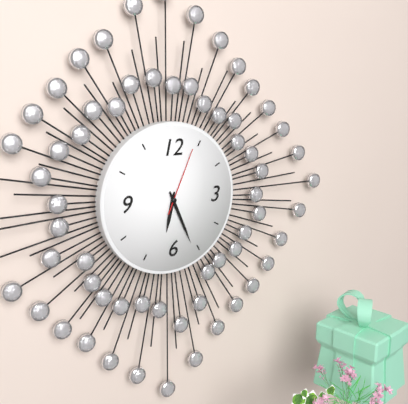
6:26:04
